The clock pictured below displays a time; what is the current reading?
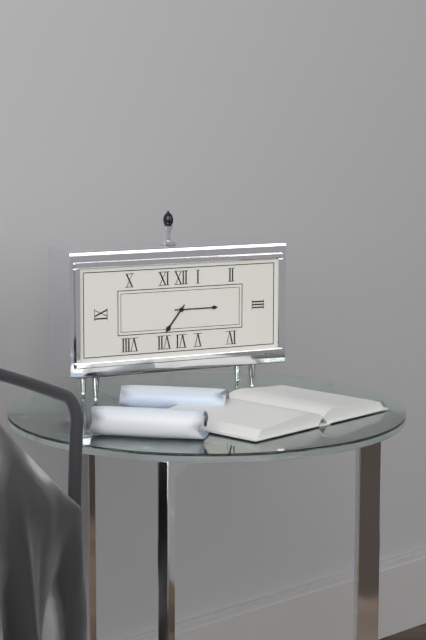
7:15
